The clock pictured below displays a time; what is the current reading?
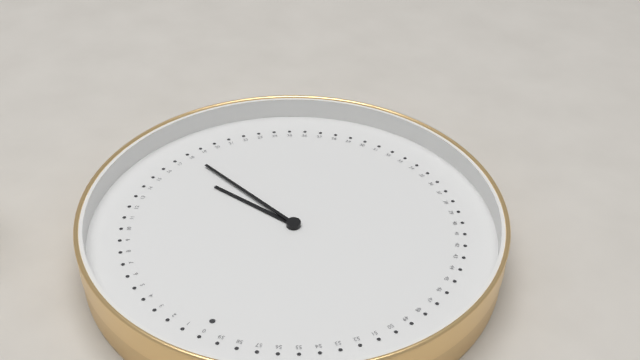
3:18
